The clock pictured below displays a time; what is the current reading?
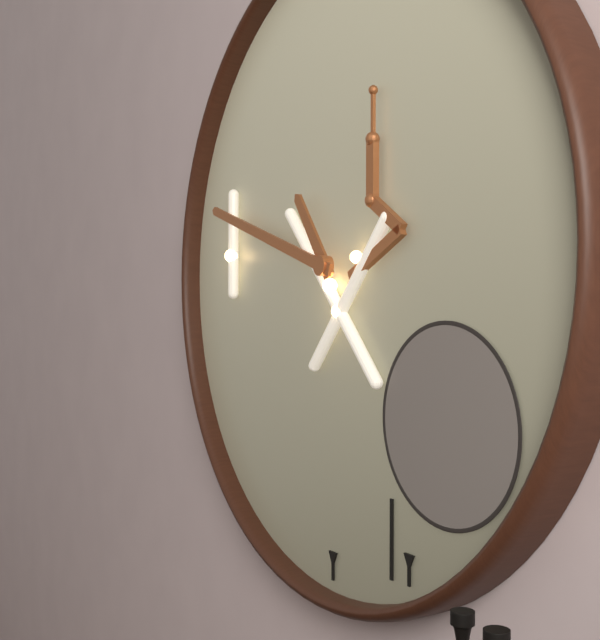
10:48
